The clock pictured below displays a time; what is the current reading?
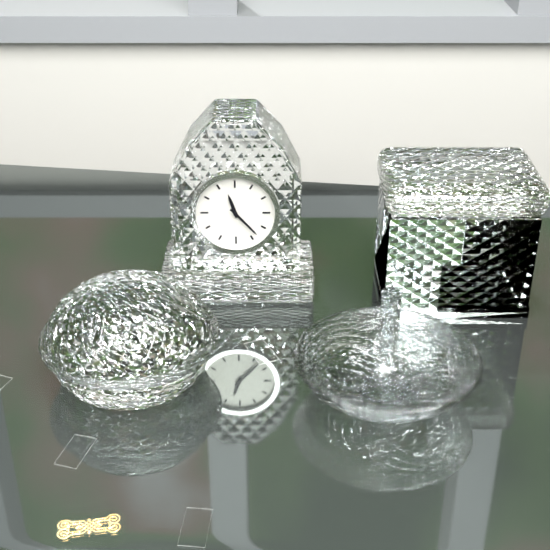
11:23
